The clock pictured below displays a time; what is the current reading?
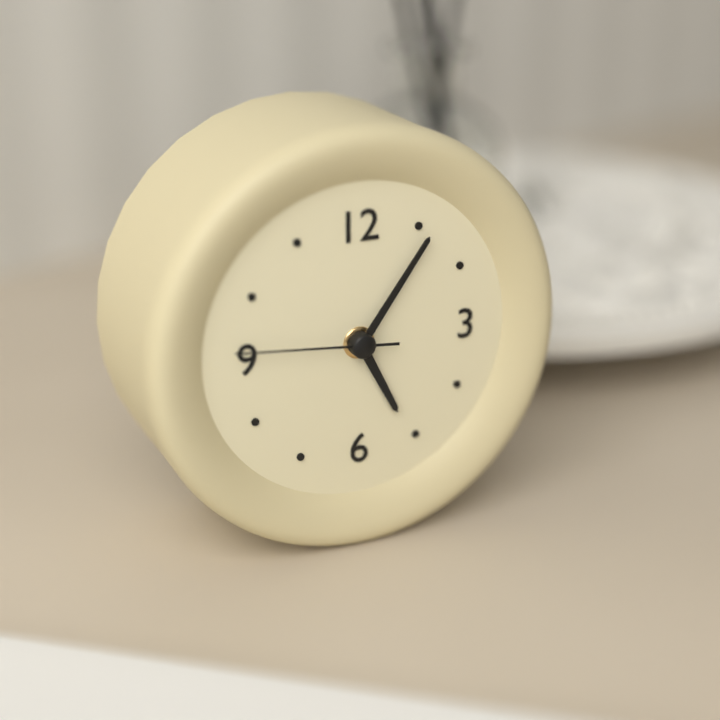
5:06:46
